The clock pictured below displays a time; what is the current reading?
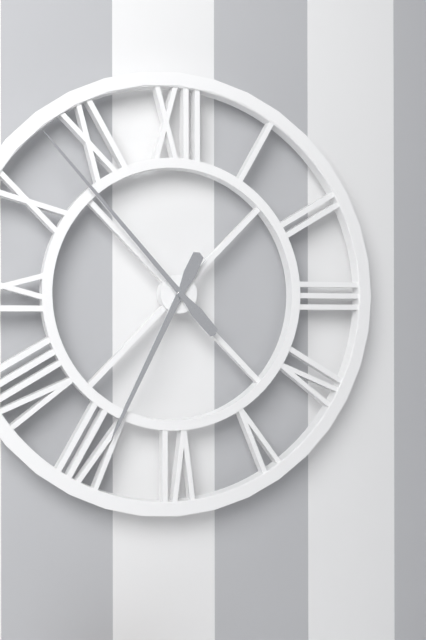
6:53
